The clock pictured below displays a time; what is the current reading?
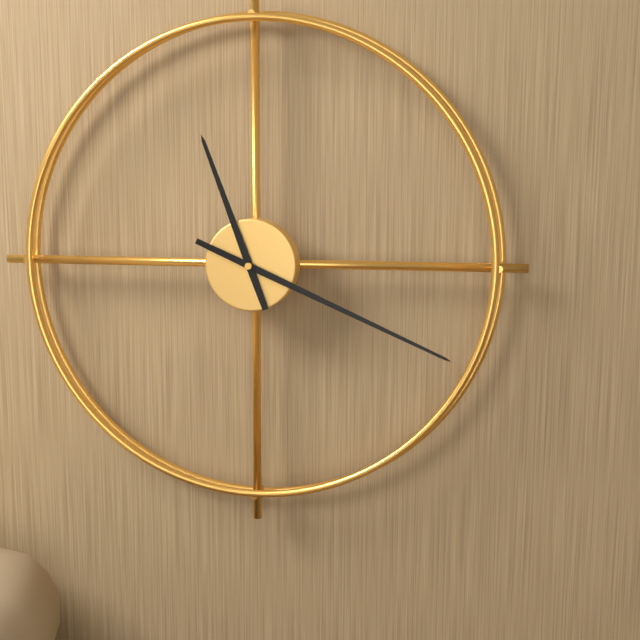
11:19
